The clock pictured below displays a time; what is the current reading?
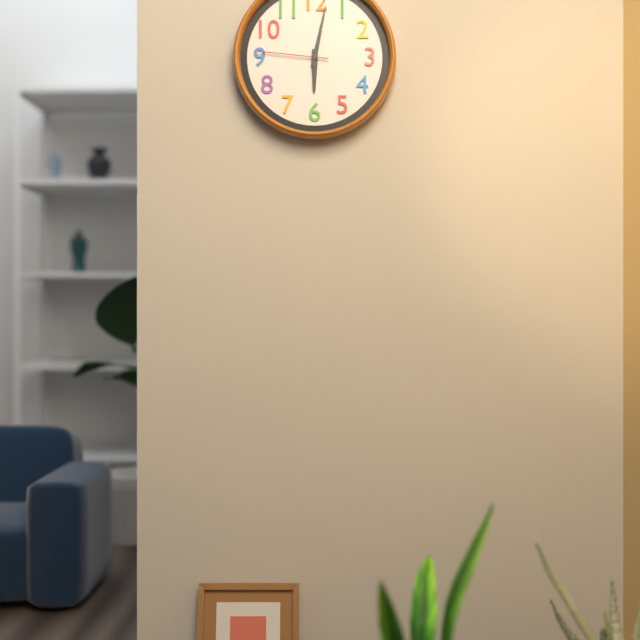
6:02:46
